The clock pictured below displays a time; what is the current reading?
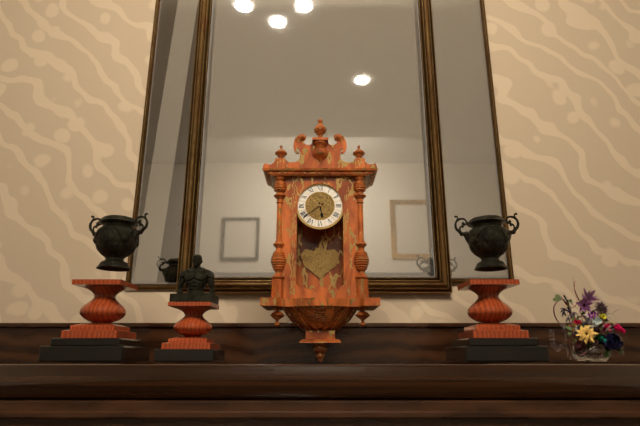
5:39
